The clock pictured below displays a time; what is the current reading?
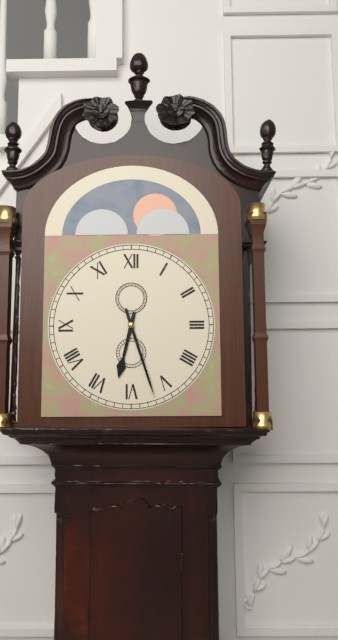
6:27
